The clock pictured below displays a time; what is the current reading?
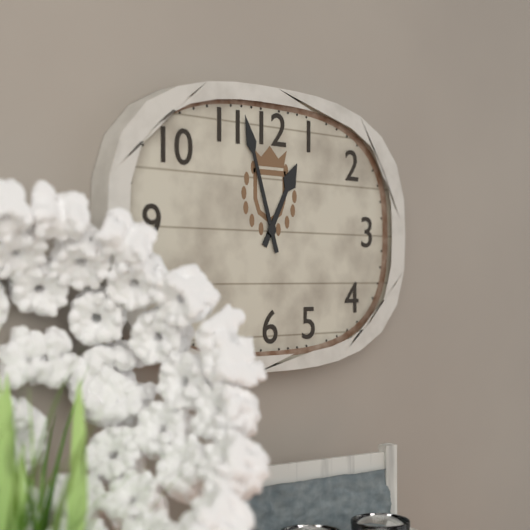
12:57
